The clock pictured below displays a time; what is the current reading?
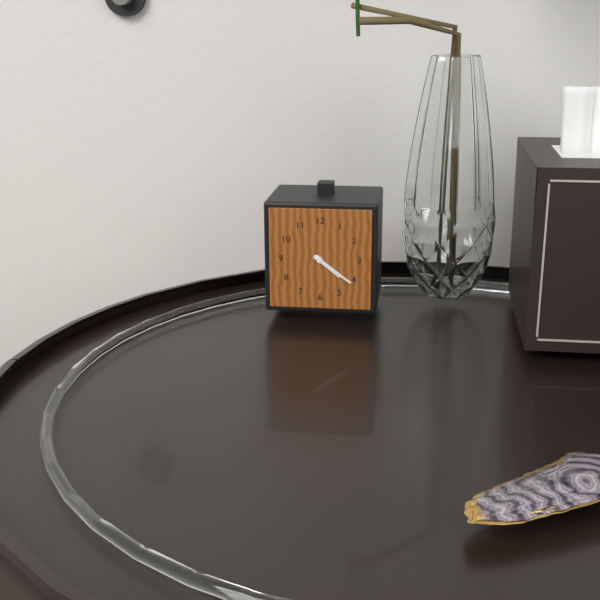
4:21
